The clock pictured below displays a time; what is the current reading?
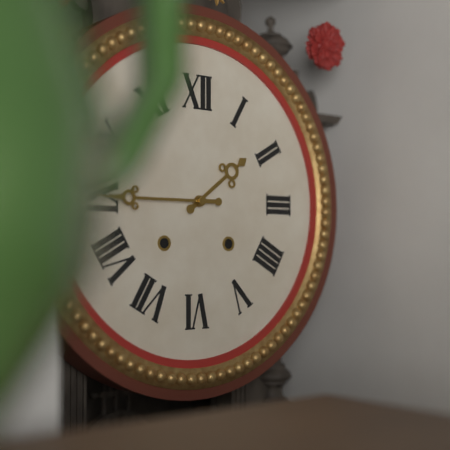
1:45
